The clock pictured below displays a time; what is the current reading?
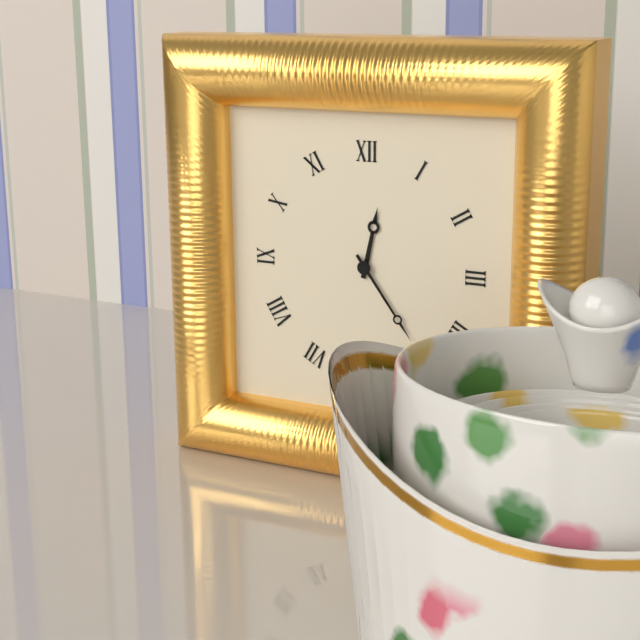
12:24
